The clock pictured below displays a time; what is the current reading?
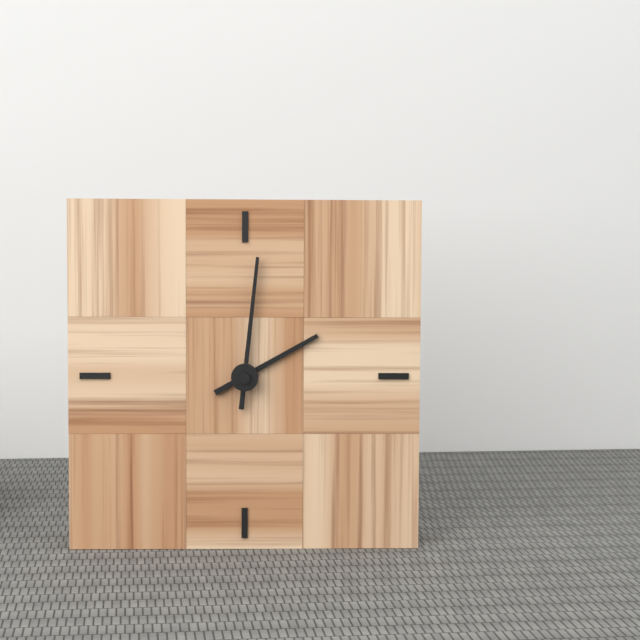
2:01
